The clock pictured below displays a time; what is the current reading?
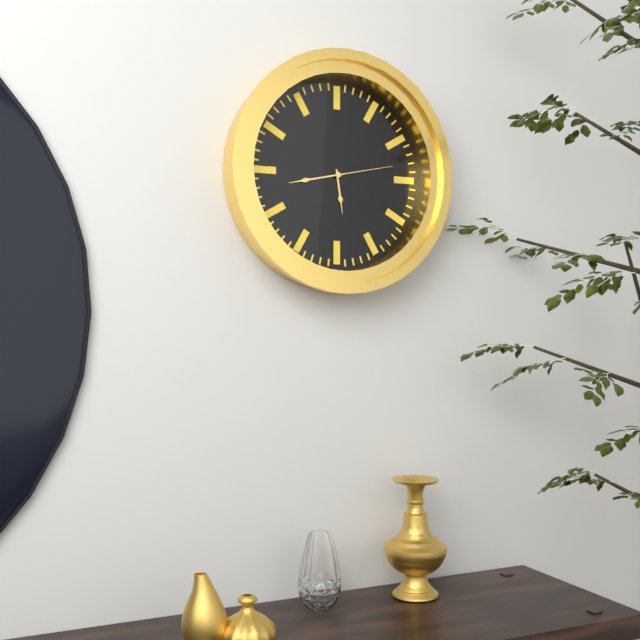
5:43:13
